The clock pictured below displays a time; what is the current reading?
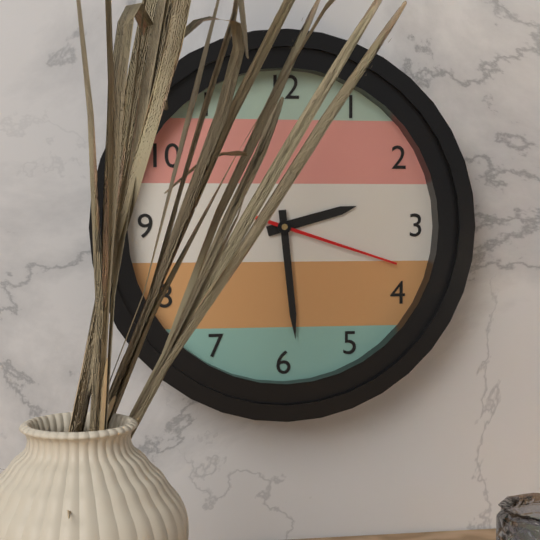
2:29:18
